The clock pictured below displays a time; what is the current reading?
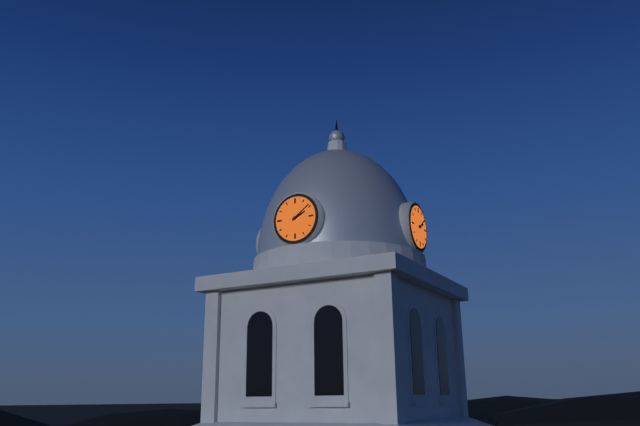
2:09
